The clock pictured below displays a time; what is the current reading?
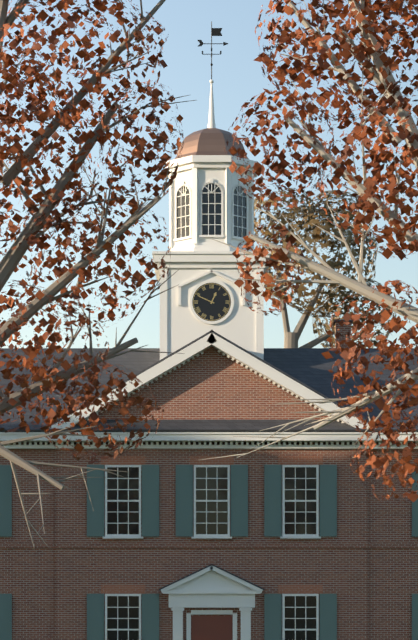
12:49
